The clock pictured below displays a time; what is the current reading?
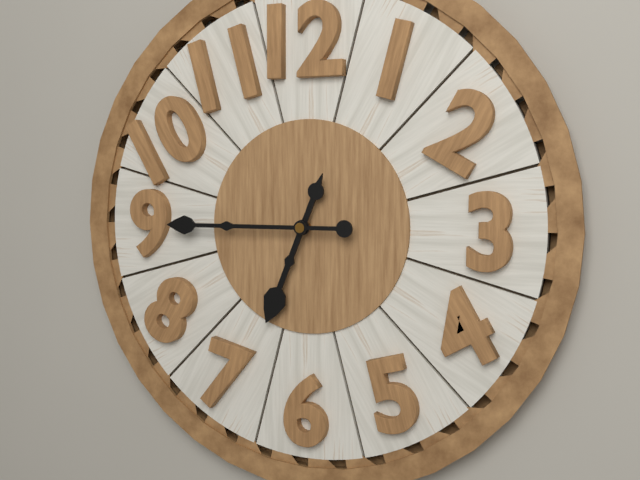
6:45
